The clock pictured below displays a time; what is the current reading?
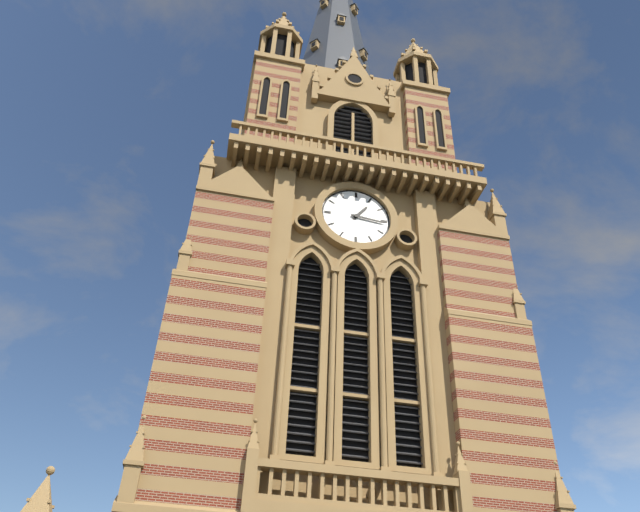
1:16
